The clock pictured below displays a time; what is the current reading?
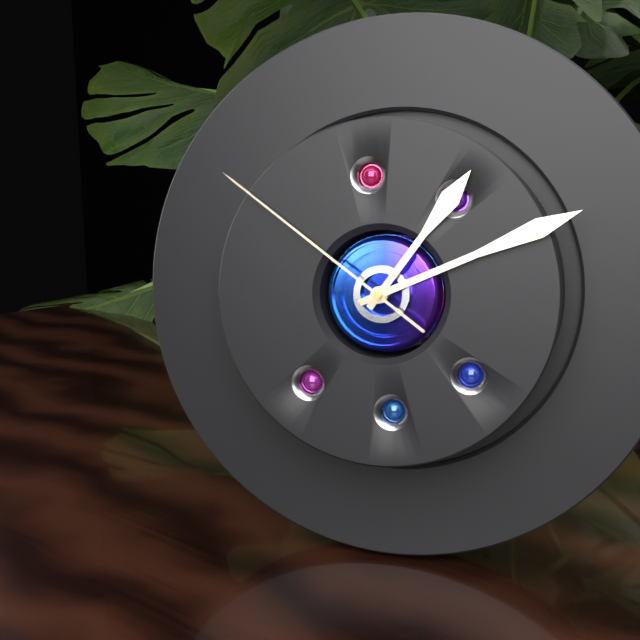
1:11:51
